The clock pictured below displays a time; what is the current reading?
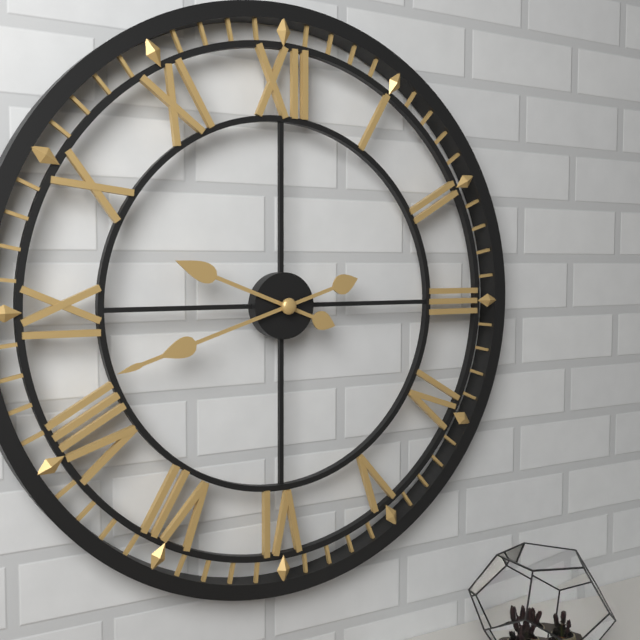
9:42
